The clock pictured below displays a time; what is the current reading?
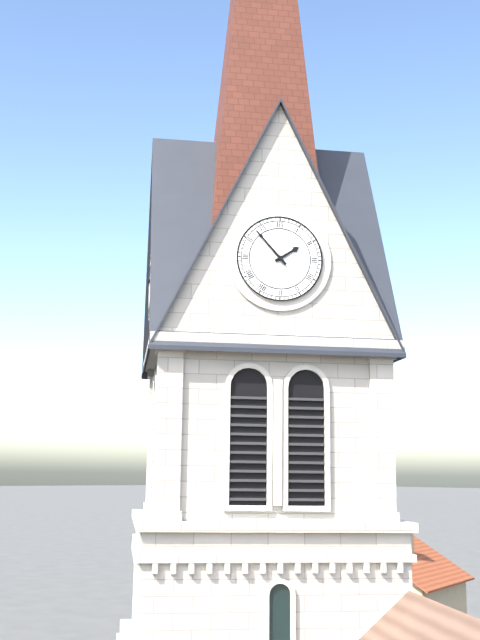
1:53
